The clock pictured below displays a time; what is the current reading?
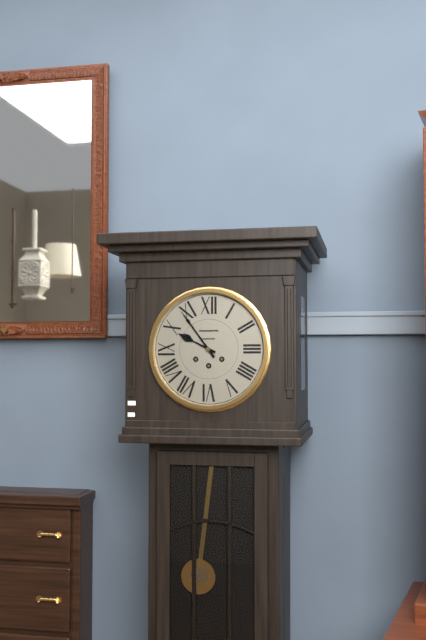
9:54
